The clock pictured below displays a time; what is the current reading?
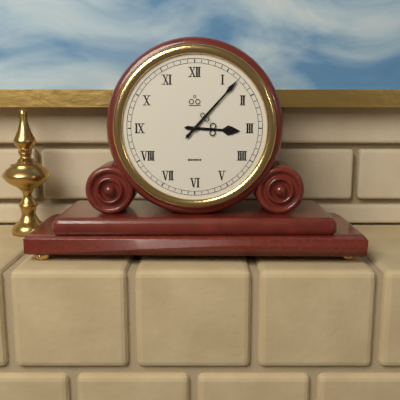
3:07
